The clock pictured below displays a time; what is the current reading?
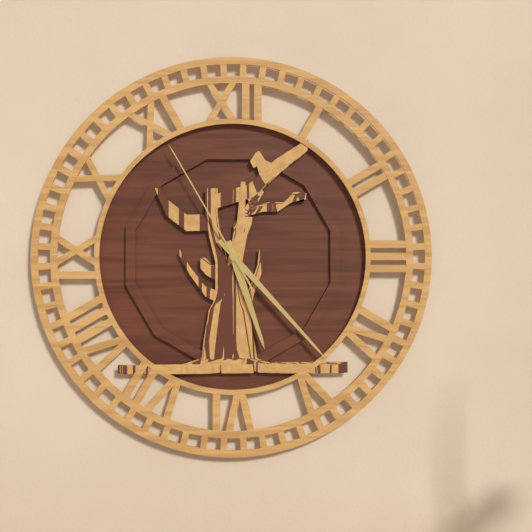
5:23:55
